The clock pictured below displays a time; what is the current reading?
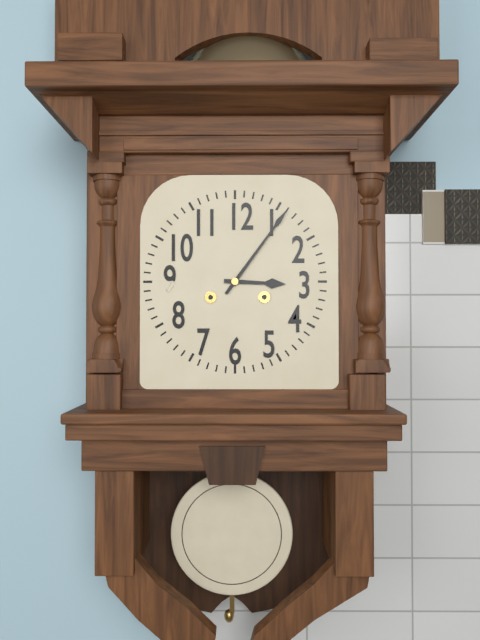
3:06
